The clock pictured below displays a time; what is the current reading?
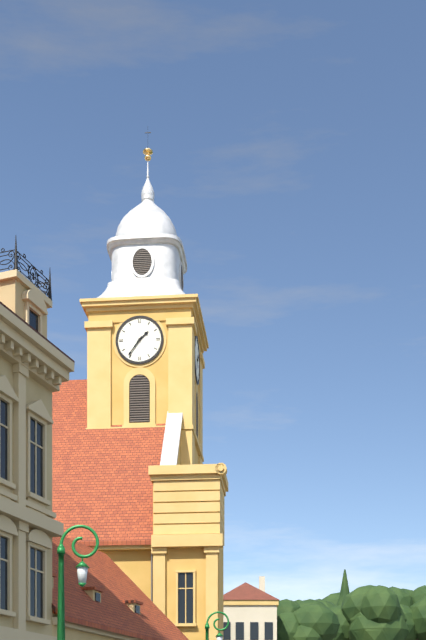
1:36
